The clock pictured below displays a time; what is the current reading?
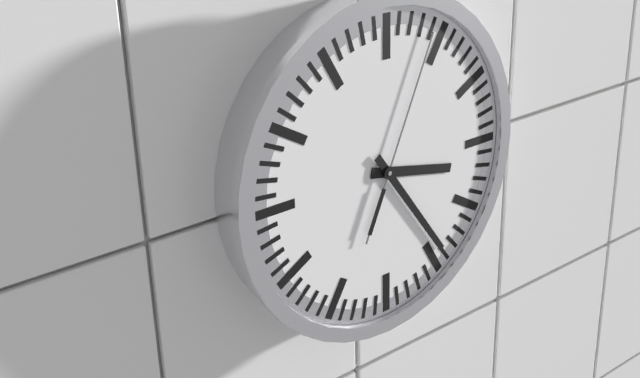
3:24:04
